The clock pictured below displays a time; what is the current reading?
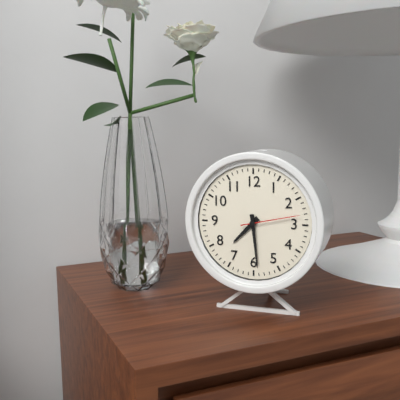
7:29:13
